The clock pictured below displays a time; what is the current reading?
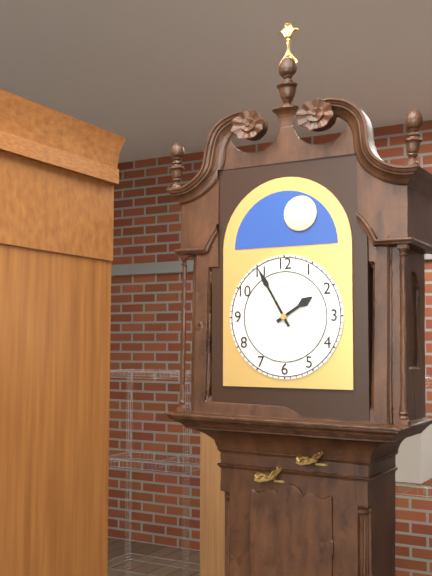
1:55
